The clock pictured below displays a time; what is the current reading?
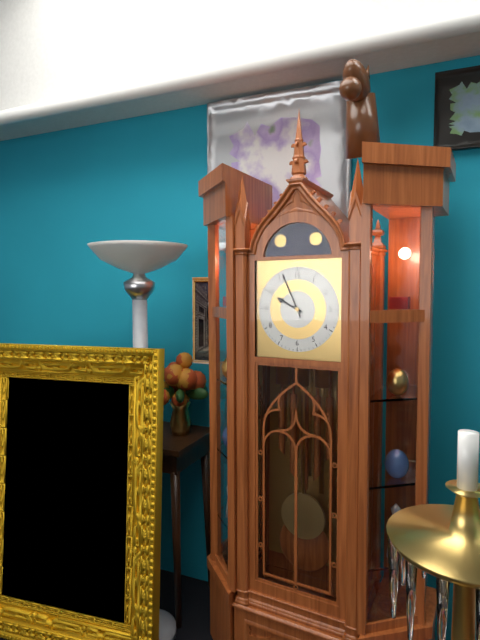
9:56
